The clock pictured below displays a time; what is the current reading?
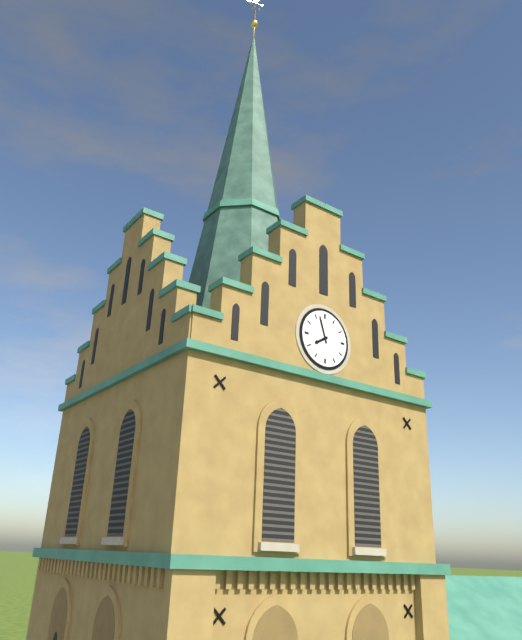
7:57
